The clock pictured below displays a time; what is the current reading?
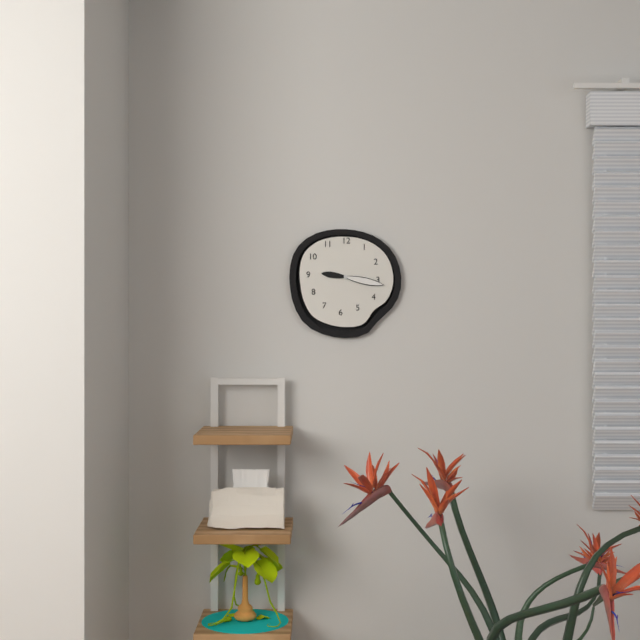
9:17
